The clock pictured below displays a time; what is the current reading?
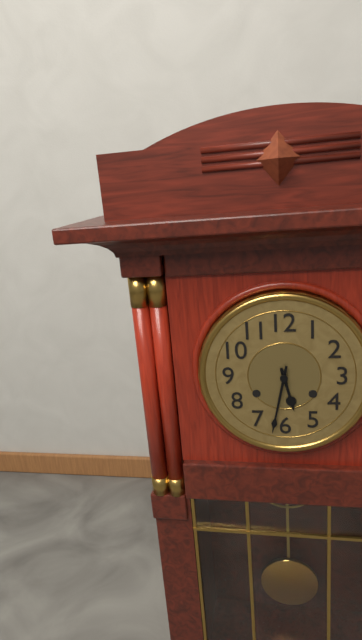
5:32
